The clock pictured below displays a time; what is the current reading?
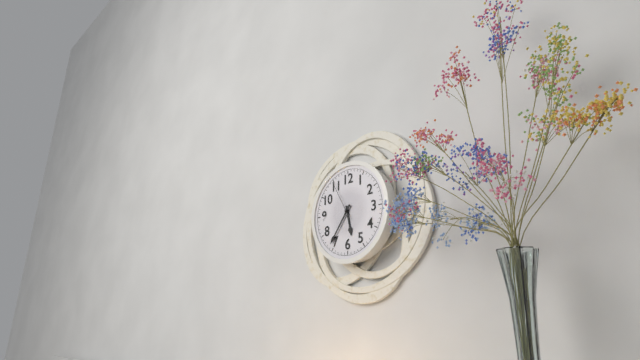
5:36:55
